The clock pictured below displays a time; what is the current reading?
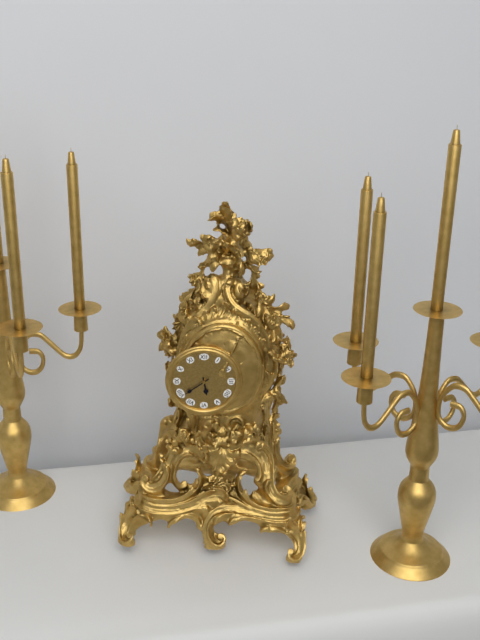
5:39
